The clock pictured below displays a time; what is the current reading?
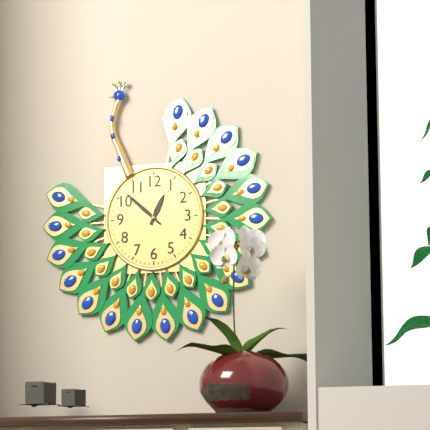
12:52
